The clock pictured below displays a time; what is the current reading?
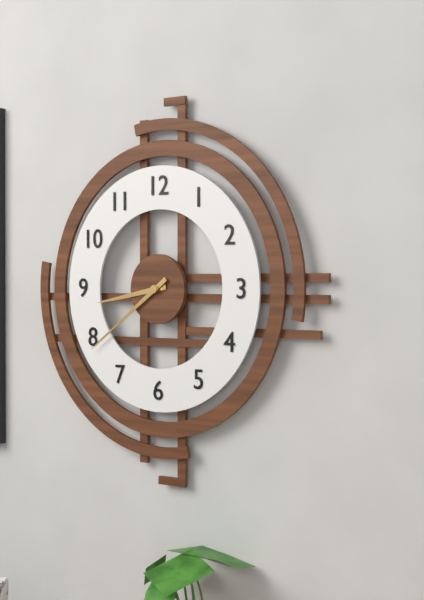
8:39
